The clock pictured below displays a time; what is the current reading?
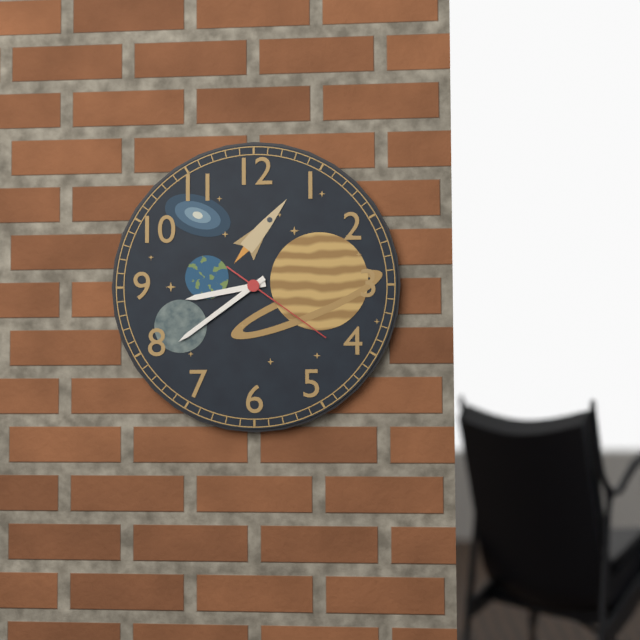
8:39:21
